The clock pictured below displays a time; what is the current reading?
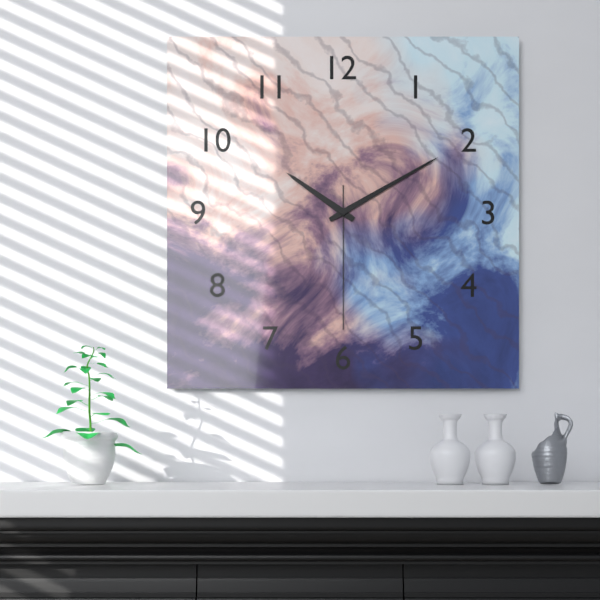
10:10:30
